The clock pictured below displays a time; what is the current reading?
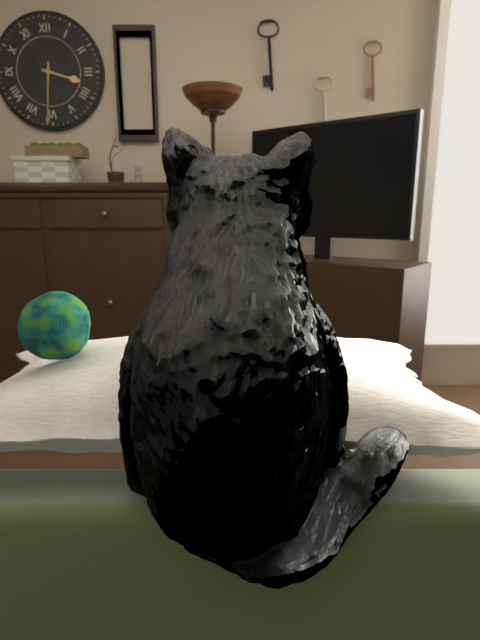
3:31
